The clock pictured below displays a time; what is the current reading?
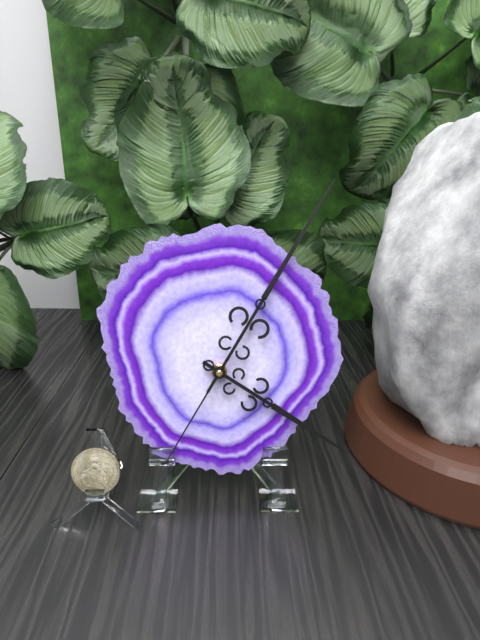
4:05:35
